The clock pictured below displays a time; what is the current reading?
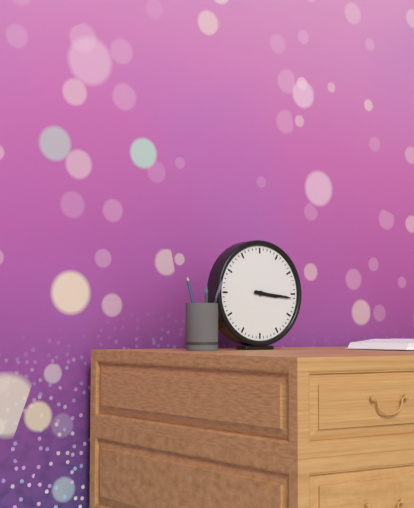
3:16
